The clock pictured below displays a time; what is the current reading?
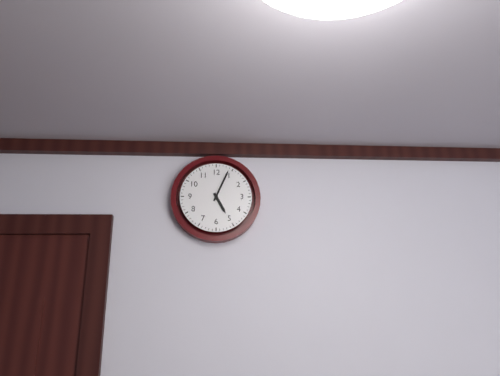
5:04
